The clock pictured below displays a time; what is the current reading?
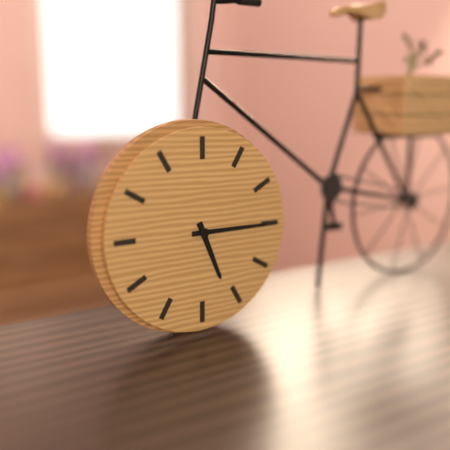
5:15
